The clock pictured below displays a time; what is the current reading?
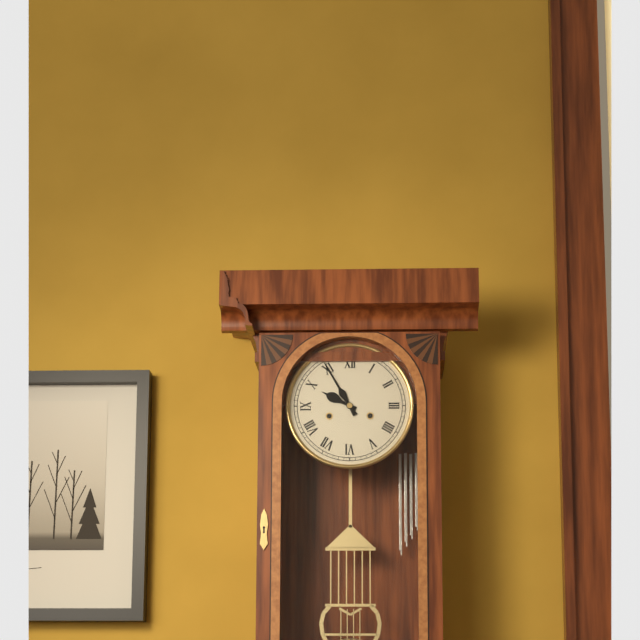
9:55
